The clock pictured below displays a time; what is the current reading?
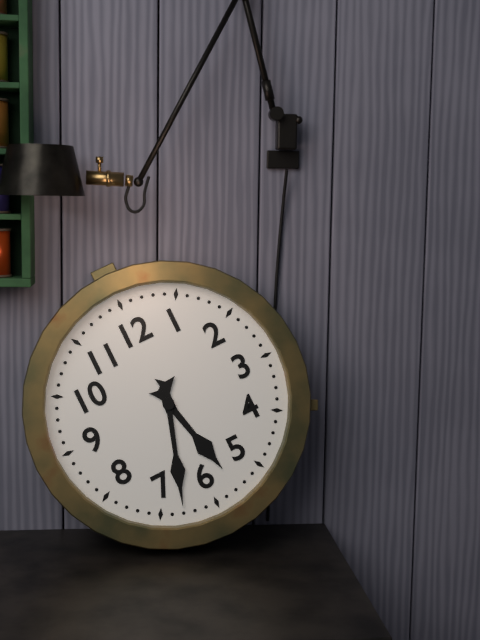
5:33
